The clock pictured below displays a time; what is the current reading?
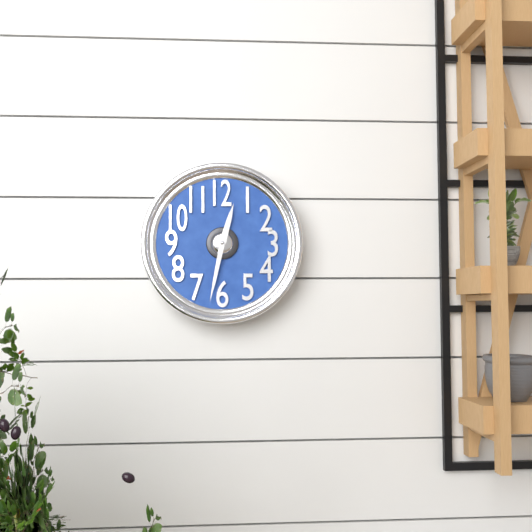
12:32
